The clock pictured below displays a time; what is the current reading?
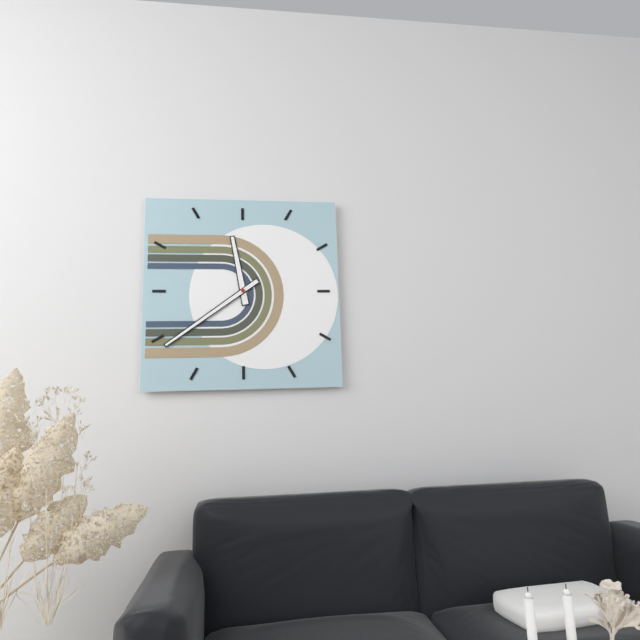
11:39
